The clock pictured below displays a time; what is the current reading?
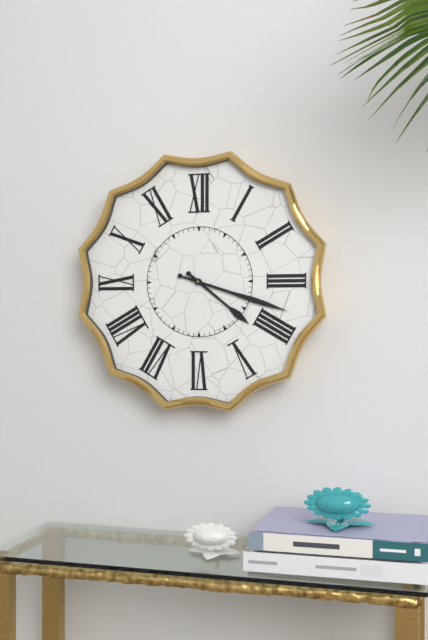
4:18
